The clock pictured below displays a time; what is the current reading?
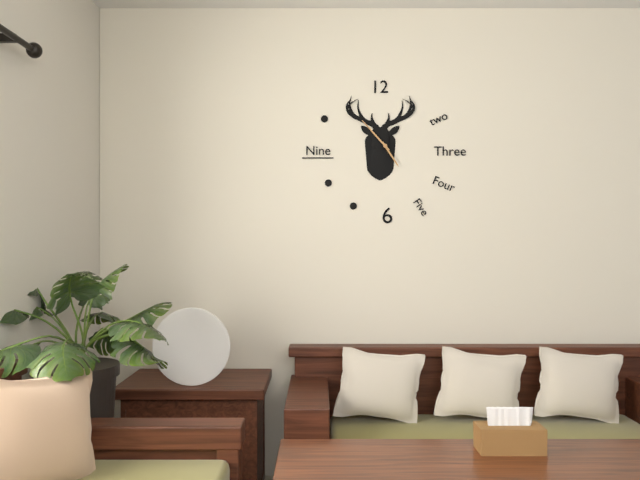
4:53
